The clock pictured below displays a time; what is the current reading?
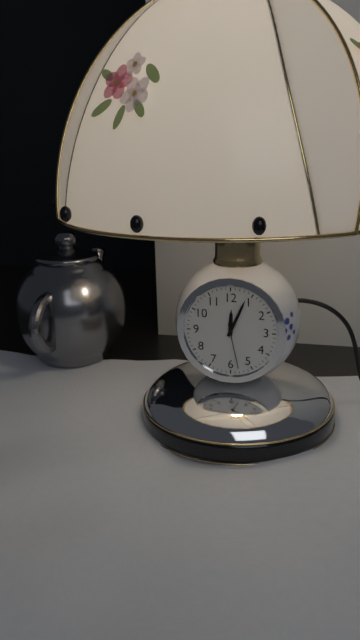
12:04
